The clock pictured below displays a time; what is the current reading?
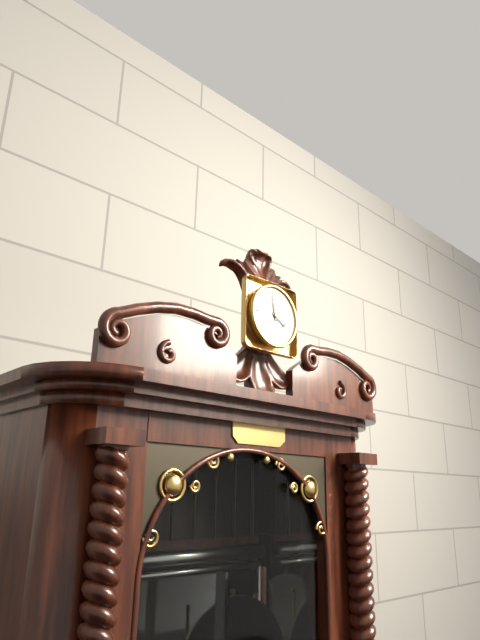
3:58
